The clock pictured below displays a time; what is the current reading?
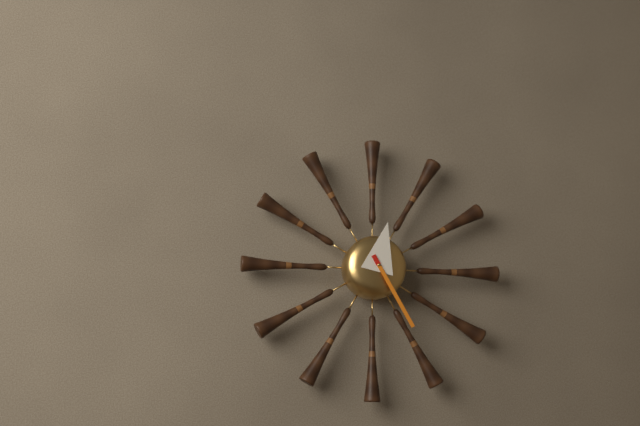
12:25
